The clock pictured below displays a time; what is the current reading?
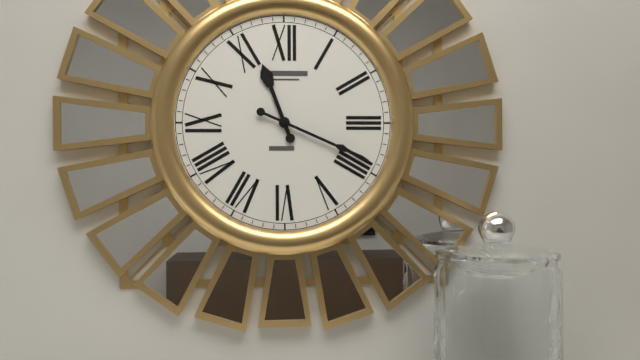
11:19
